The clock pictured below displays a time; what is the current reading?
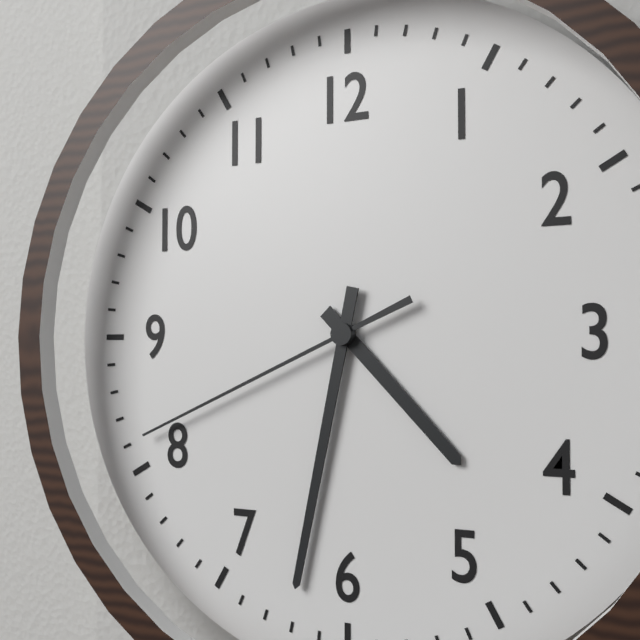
4:32:41
